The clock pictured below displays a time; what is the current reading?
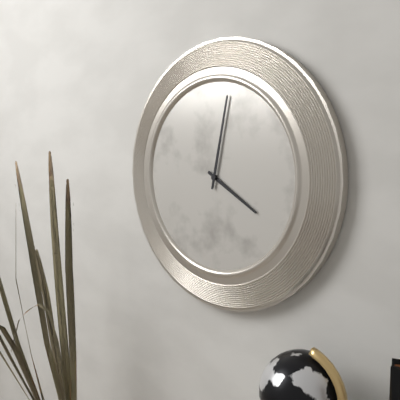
4:02
